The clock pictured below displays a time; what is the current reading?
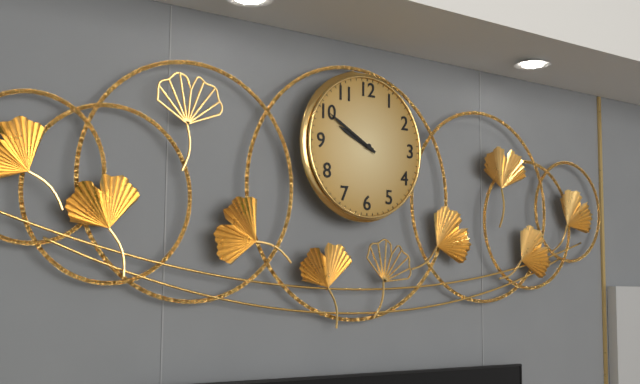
9:50
